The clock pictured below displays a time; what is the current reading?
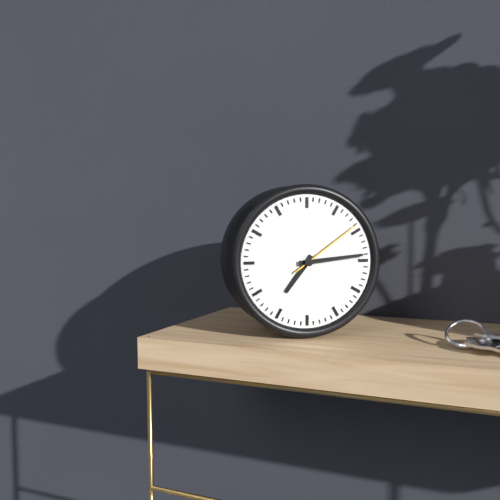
7:14:09
